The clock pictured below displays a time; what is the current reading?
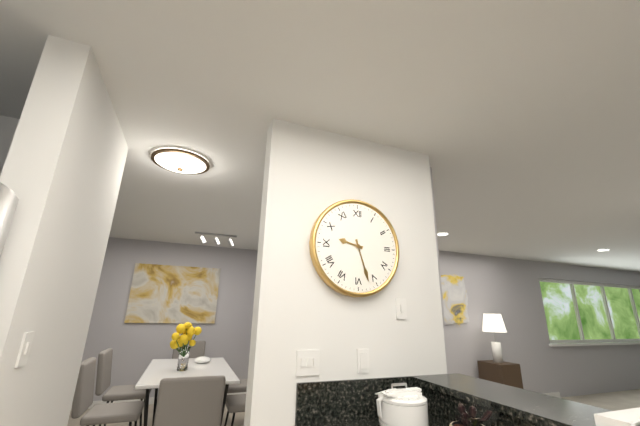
9:27
